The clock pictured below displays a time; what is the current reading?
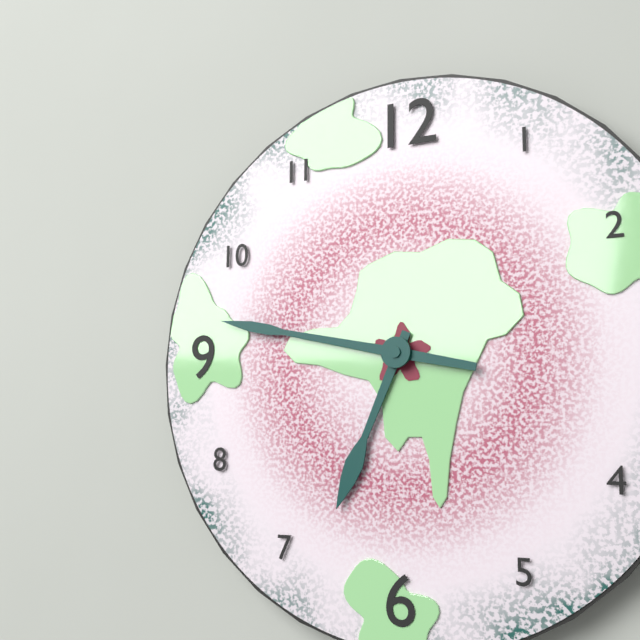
6:47
